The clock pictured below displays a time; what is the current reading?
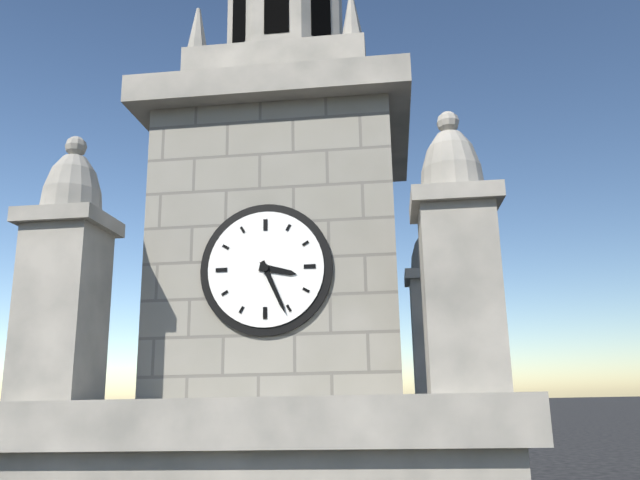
3:26
